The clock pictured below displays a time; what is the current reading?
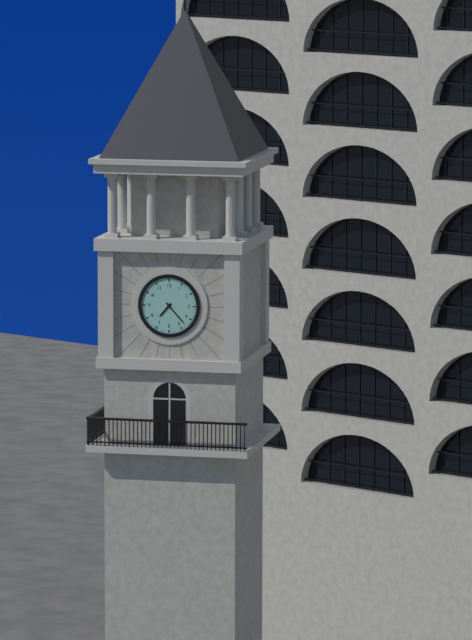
7:23
